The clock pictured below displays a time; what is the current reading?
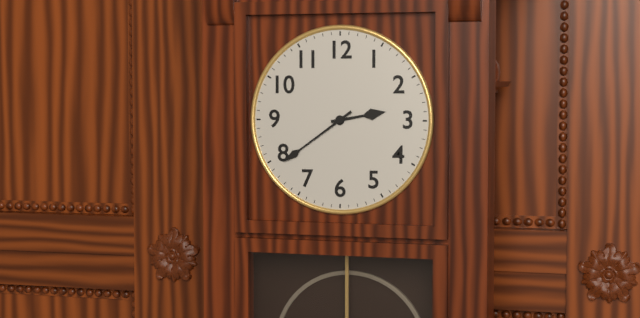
2:39
